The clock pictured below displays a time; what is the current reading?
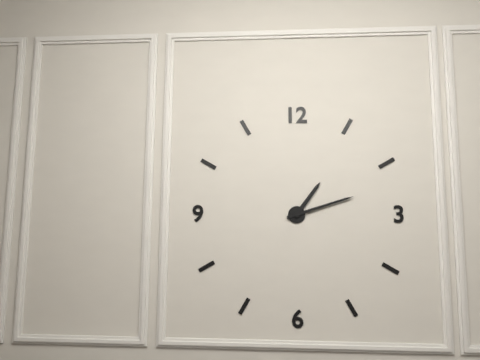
1:12
